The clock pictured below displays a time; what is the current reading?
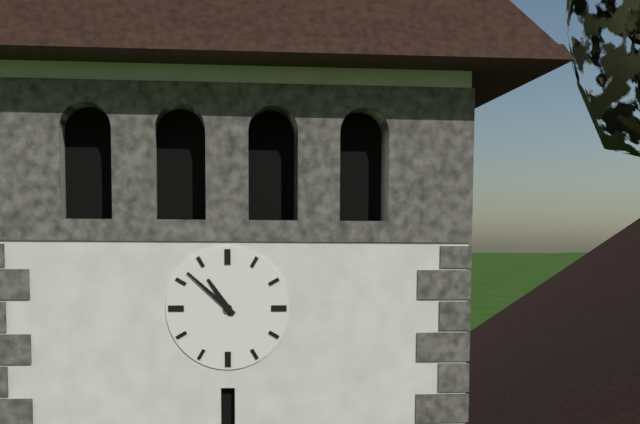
10:52
